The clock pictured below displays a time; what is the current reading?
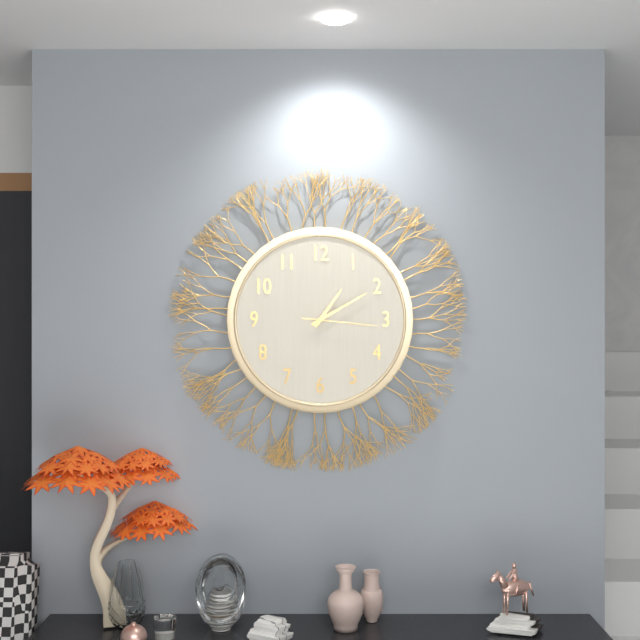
1:10:16
